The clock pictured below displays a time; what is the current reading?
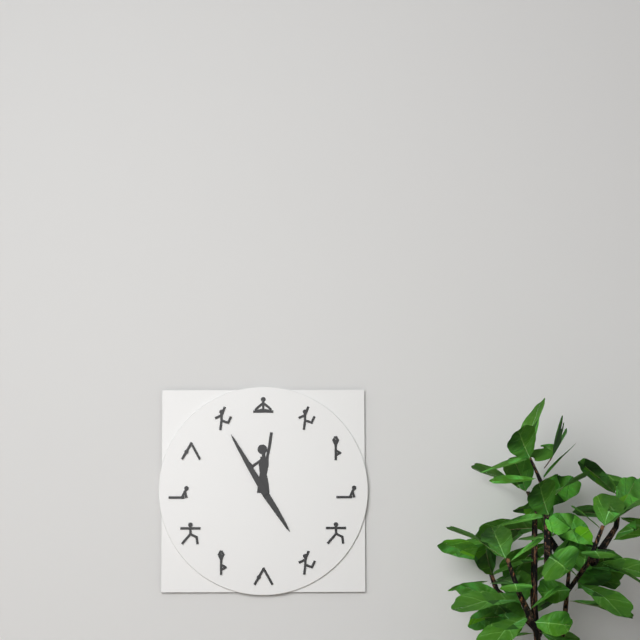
4:55
